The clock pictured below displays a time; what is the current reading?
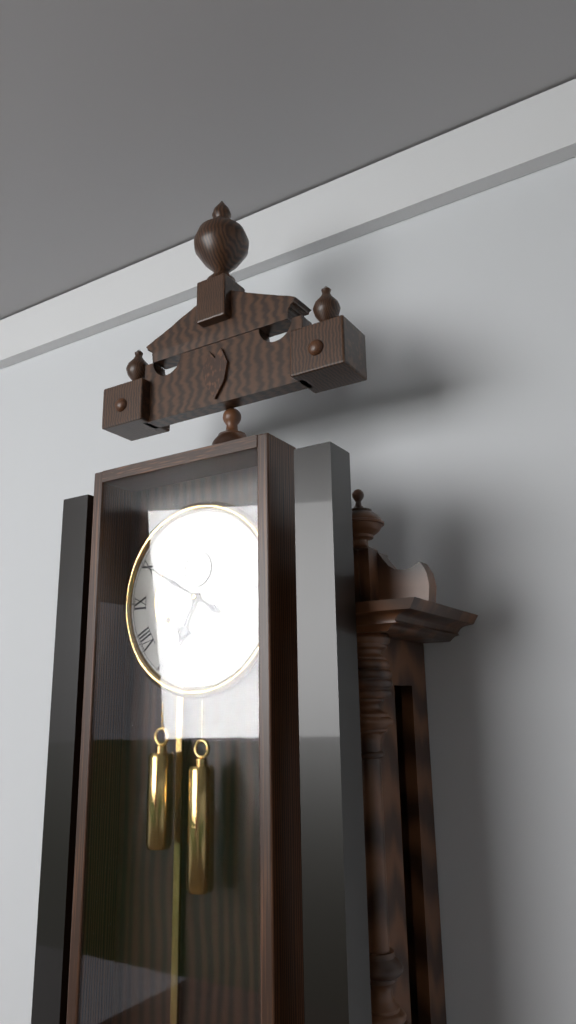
6:50
